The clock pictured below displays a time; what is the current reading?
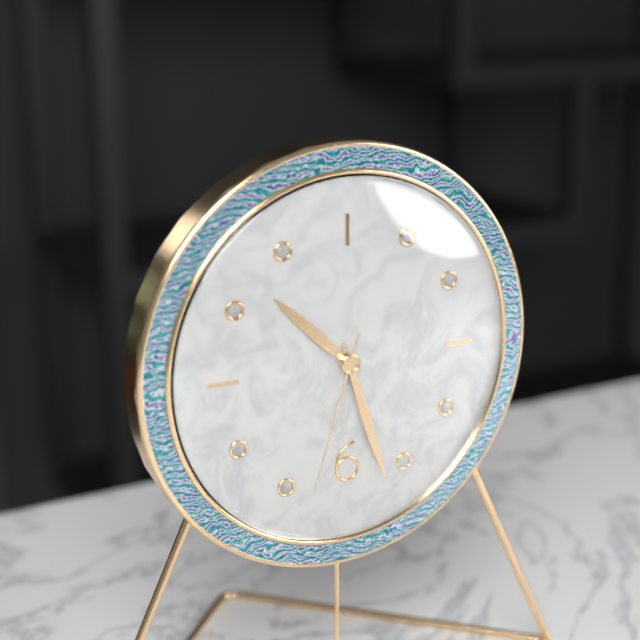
10:27:33
